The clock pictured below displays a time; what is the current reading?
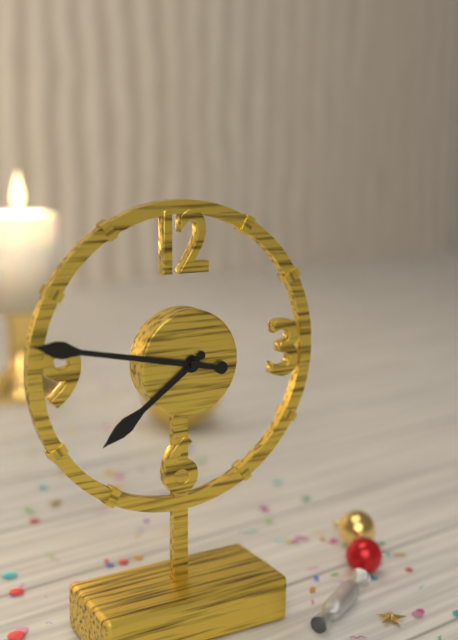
7:47
